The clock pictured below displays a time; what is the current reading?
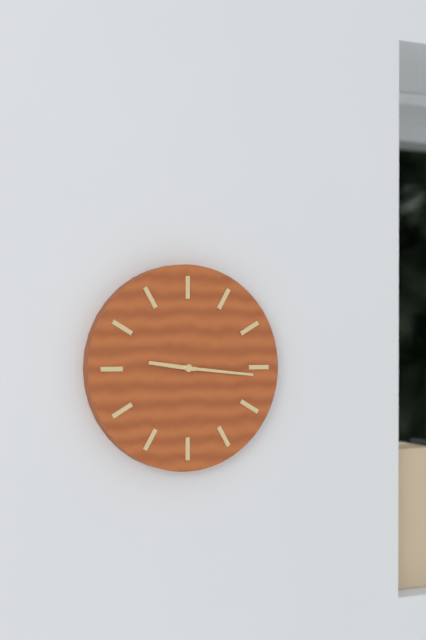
9:16
